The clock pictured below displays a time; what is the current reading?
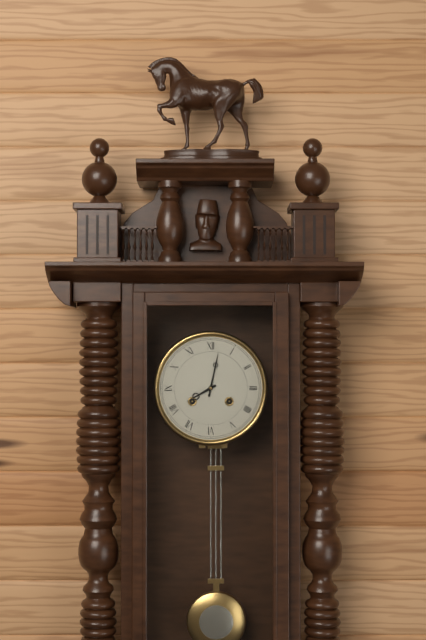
8:02
